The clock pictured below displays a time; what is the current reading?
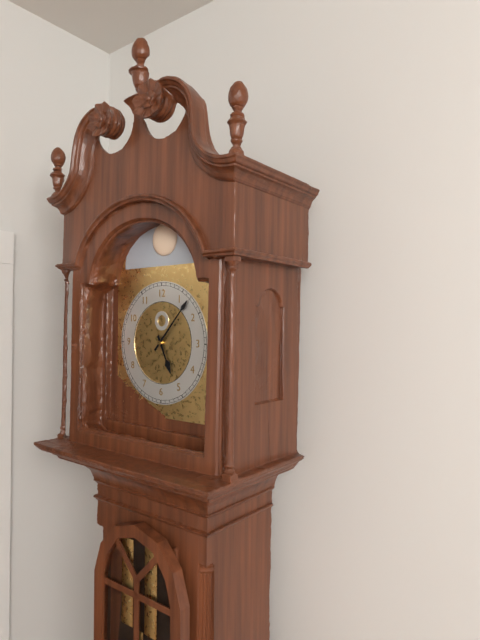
5:07
